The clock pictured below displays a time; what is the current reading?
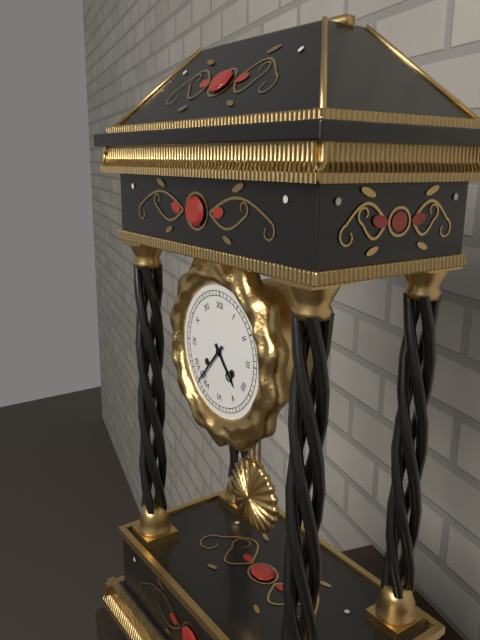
4:37
